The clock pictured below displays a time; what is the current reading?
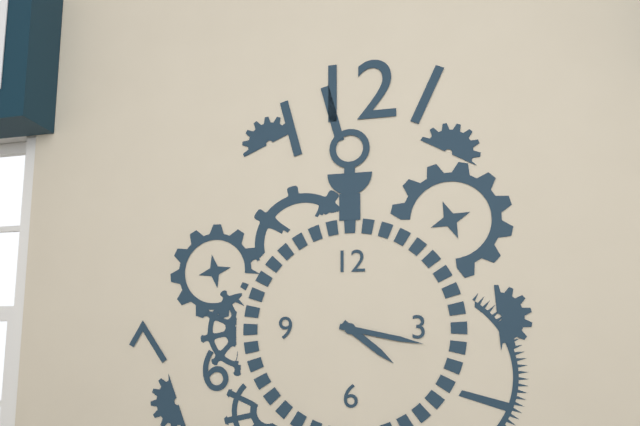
4:17
